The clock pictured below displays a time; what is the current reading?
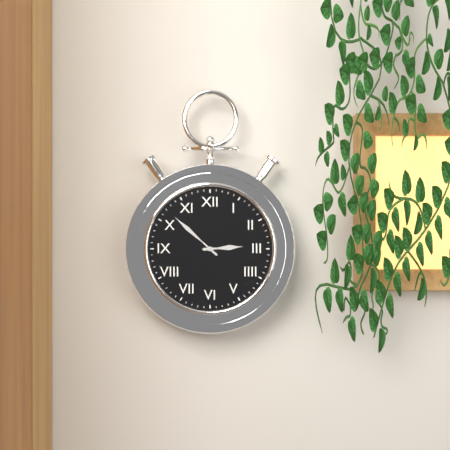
2:52
